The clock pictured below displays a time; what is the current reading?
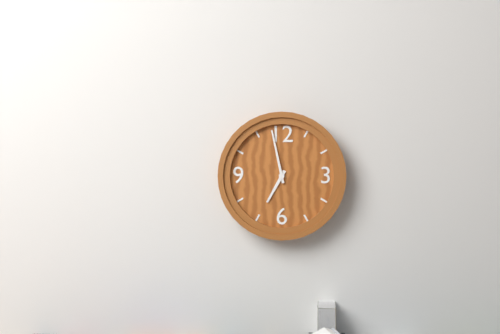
6:58
